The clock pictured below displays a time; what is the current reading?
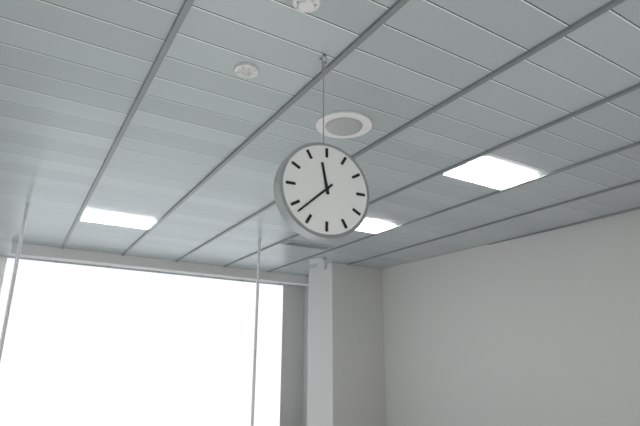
11:38
